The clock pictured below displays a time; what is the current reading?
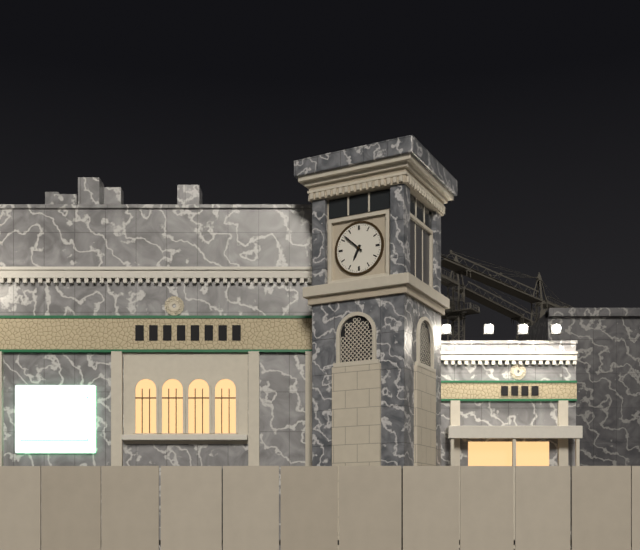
6:52
